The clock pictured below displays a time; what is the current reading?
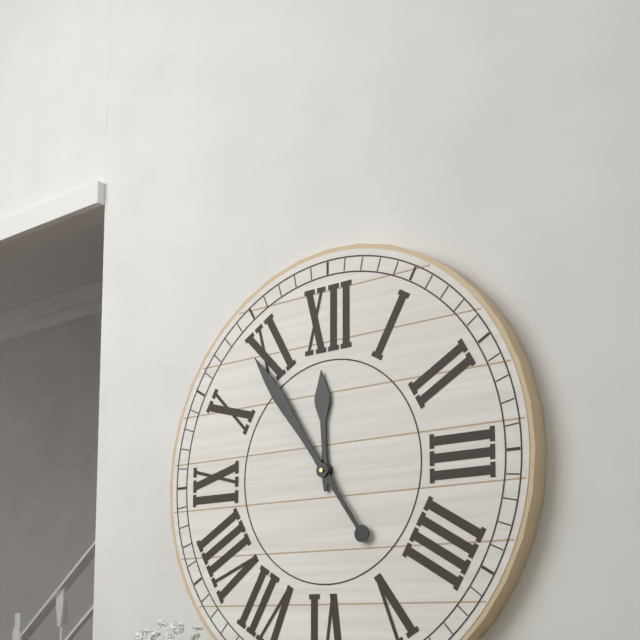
11:54
